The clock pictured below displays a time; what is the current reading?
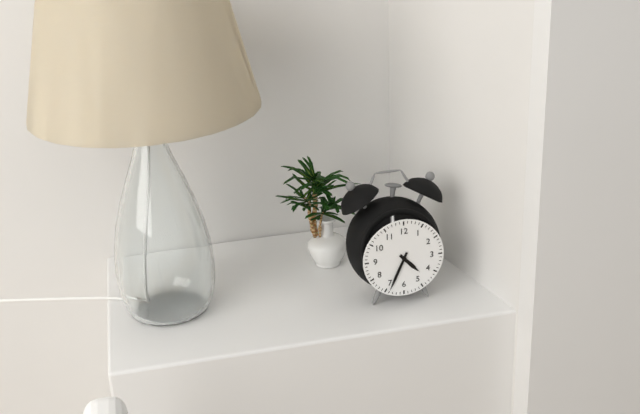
4:34
